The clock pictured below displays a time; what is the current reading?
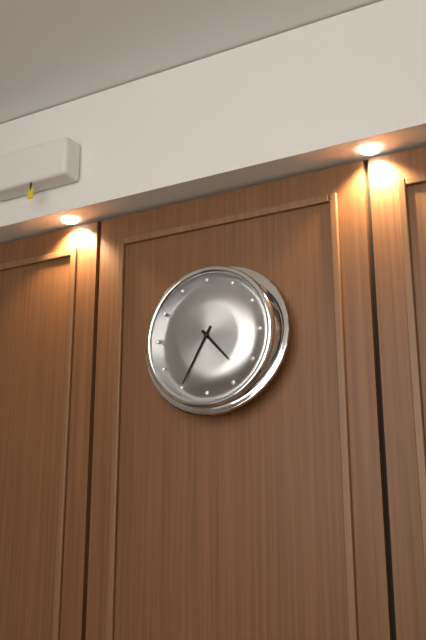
4:35
